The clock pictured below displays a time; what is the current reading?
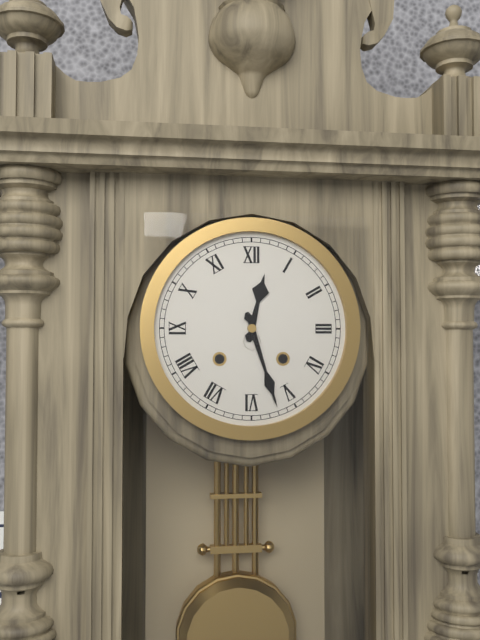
12:27
